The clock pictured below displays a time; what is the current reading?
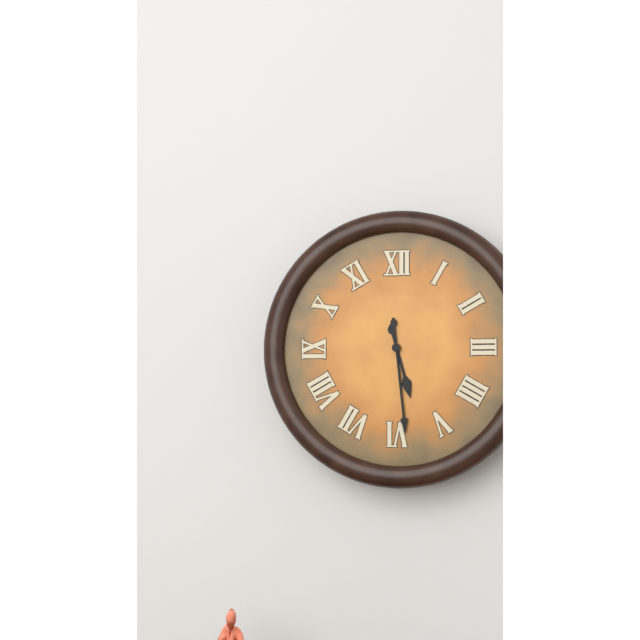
5:29
